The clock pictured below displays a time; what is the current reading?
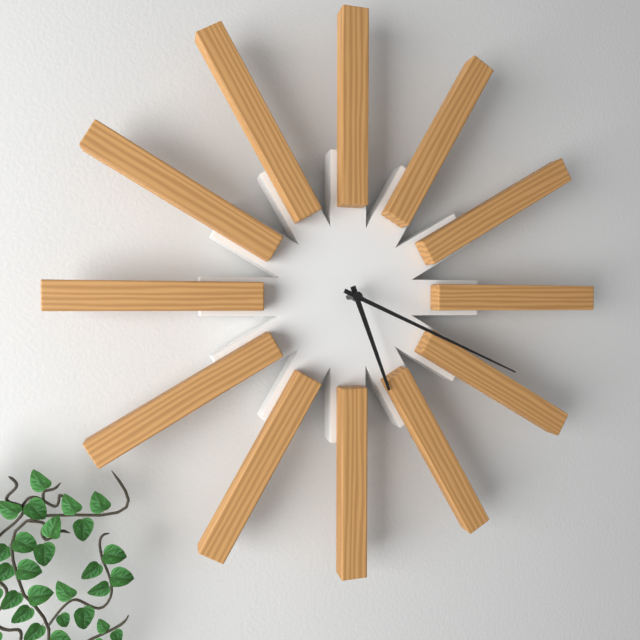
5:19
